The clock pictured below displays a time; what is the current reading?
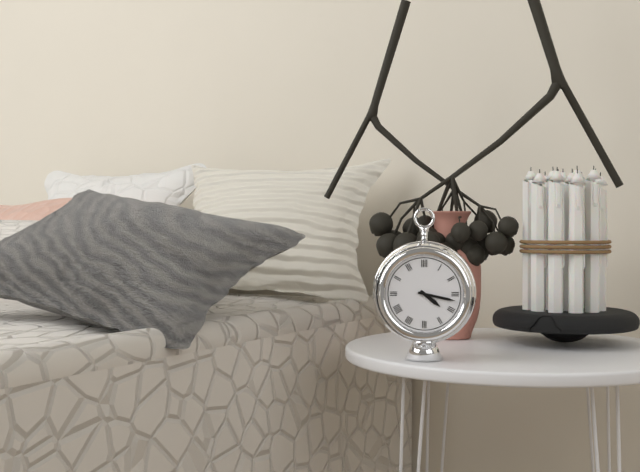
4:17
